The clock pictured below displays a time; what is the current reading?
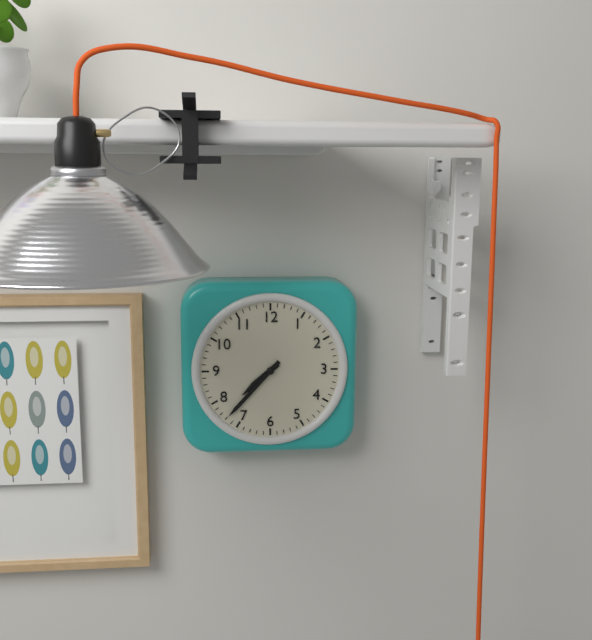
7:37
